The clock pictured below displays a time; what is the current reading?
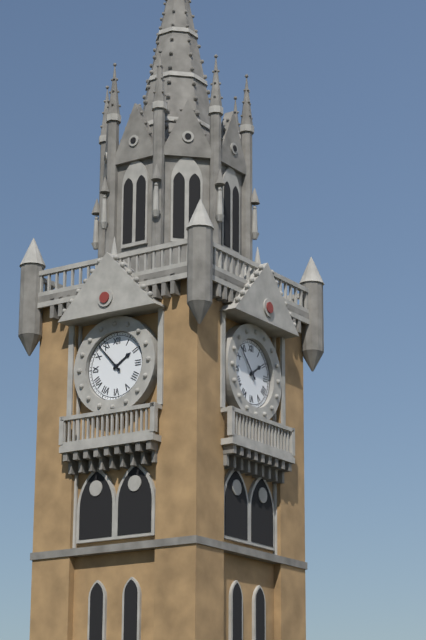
1:53
